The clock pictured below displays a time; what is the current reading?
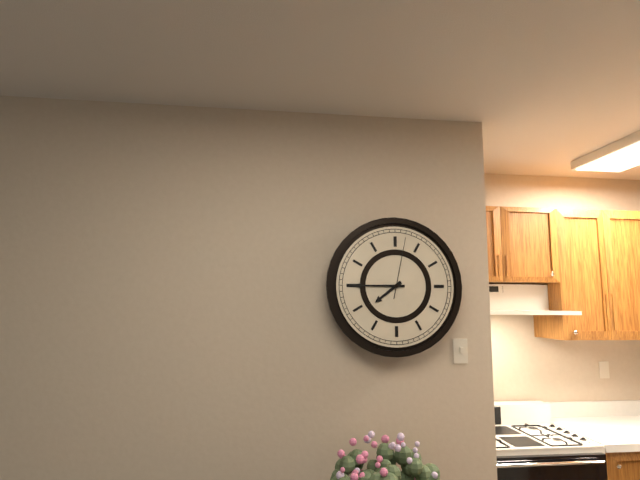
7:45:02
